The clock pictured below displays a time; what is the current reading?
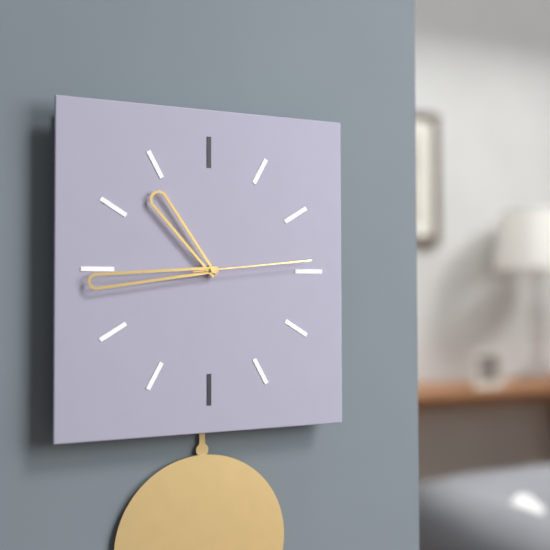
10:44:14
